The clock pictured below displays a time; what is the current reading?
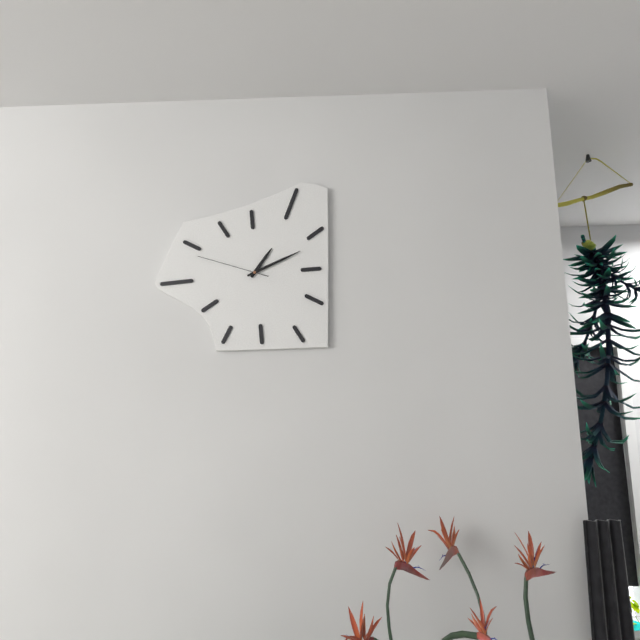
1:11:48
